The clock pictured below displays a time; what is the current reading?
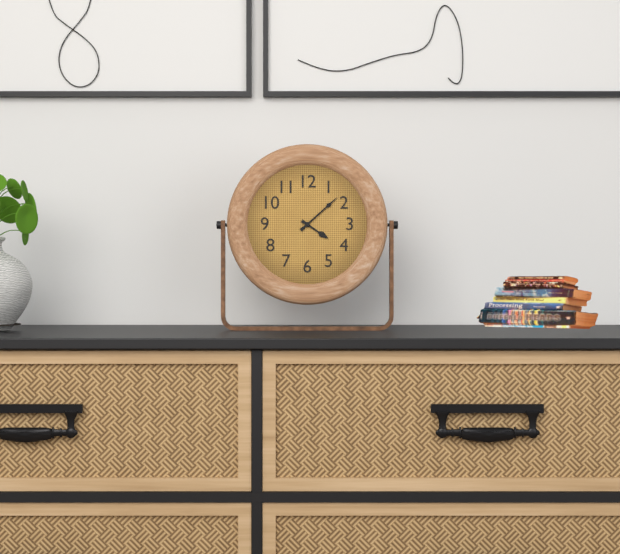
4:08
